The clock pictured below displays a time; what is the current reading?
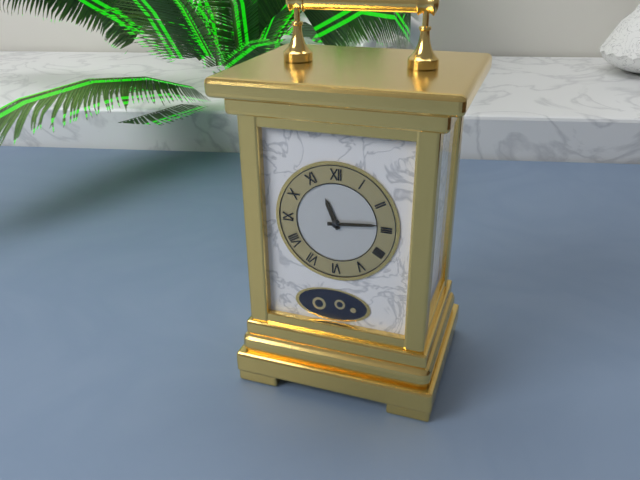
11:14
